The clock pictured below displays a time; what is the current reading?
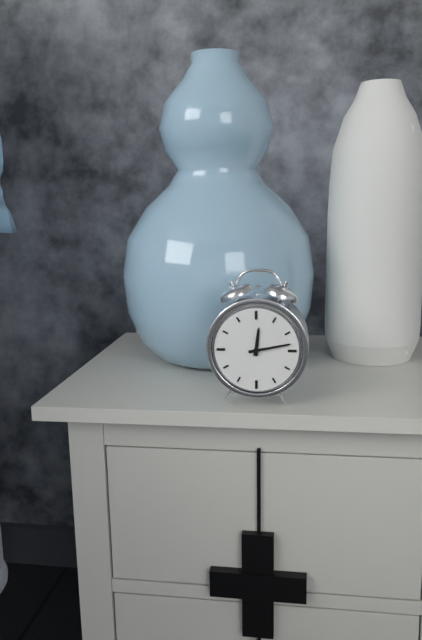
12:13
